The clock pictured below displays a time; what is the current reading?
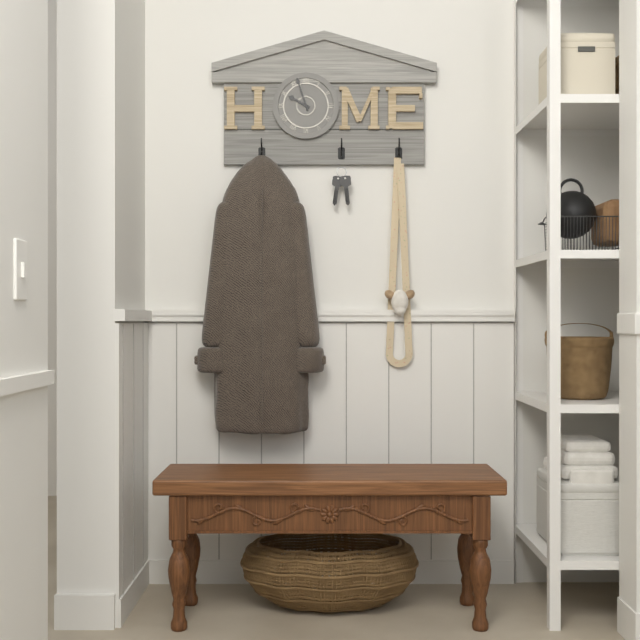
9:57
